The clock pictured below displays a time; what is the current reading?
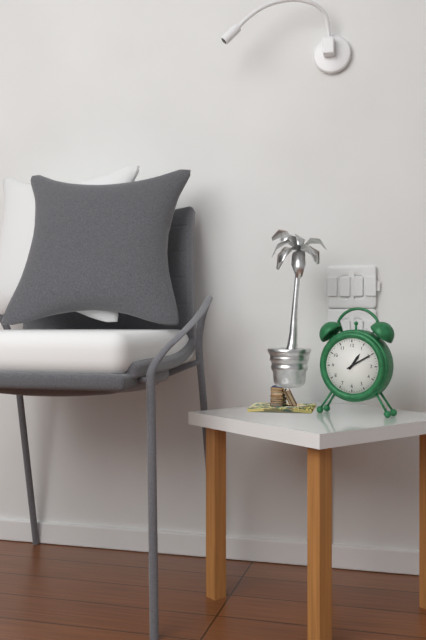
1:10
